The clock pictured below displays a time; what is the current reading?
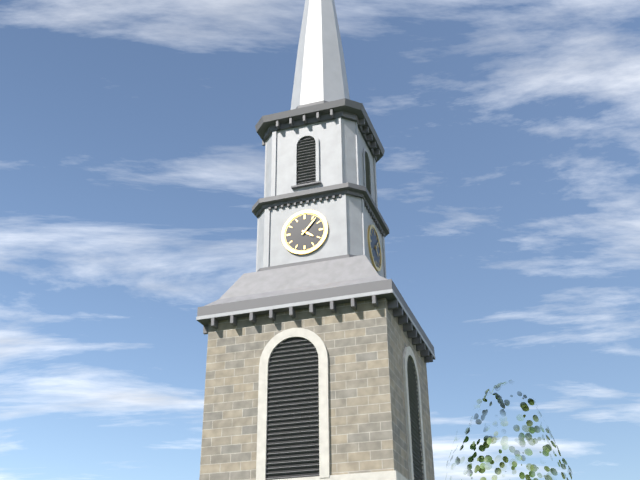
4:07
